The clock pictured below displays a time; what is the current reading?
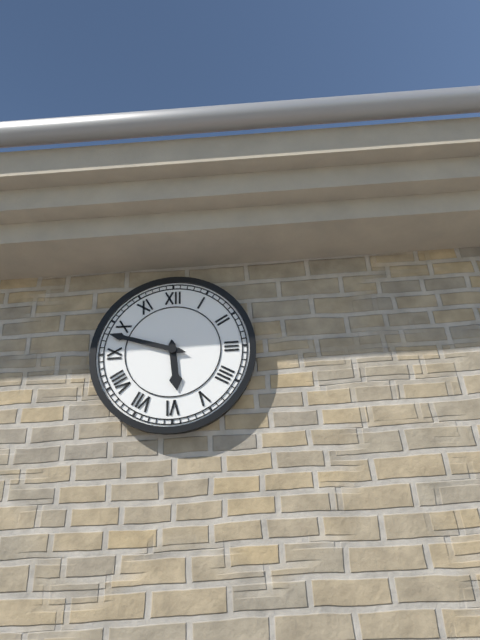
5:48
